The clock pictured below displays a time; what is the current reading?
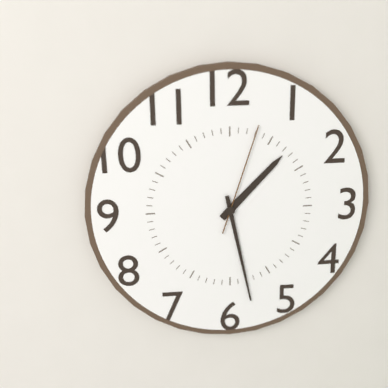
1:28:03
